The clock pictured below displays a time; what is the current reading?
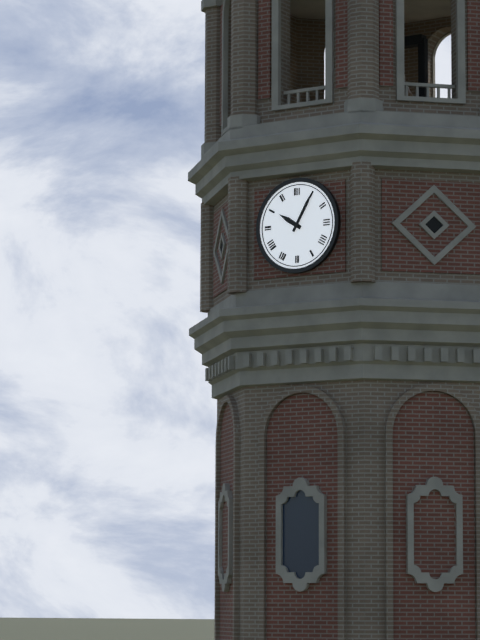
10:05
